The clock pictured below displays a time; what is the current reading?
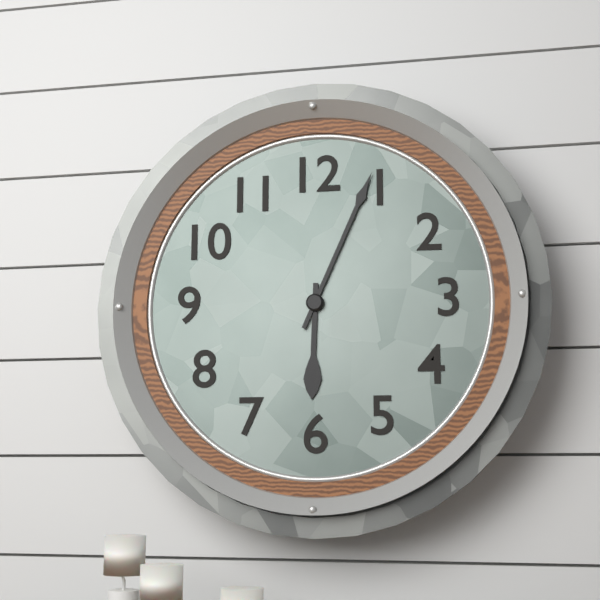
6:04
